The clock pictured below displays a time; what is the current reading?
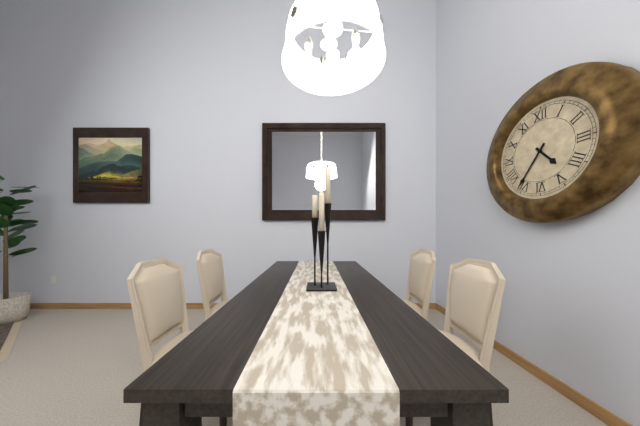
4:36
